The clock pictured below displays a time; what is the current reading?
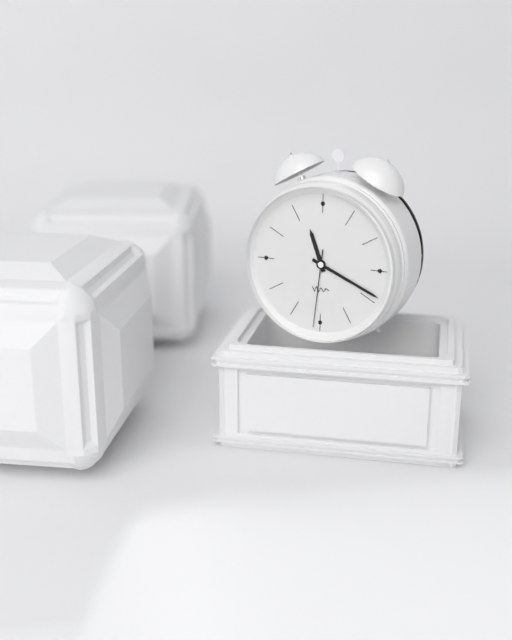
11:19:31
